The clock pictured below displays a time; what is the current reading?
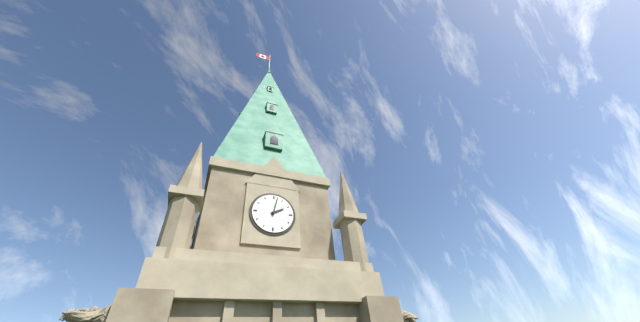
2:02
